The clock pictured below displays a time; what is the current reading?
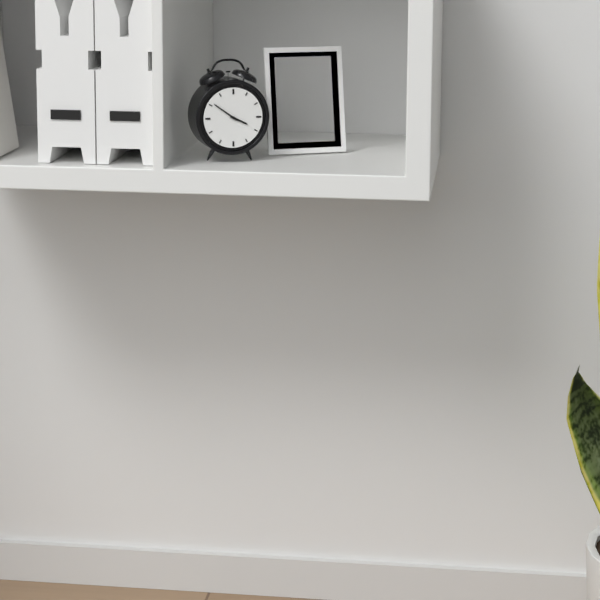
3:51
